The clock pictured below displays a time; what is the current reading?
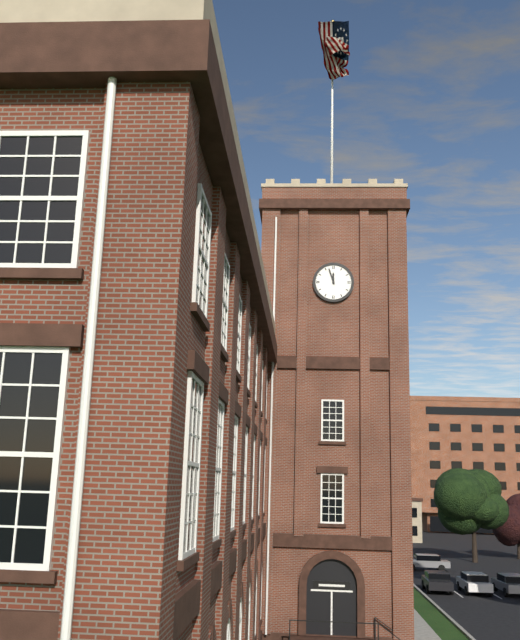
11:57
